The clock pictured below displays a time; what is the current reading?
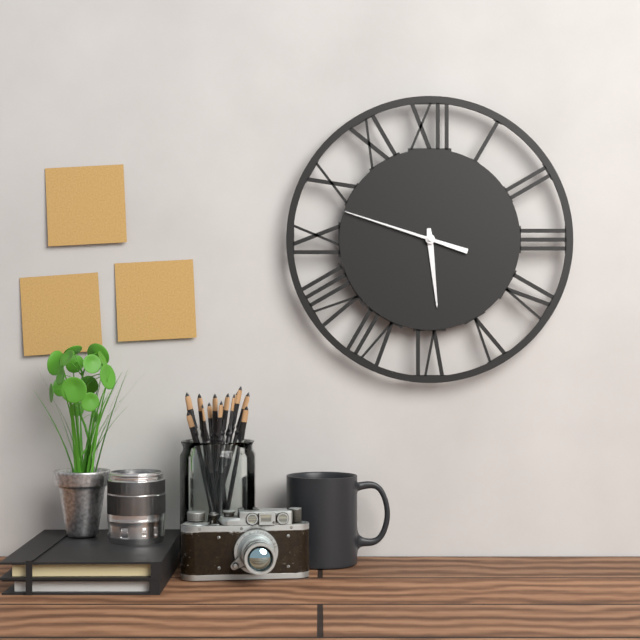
5:48
